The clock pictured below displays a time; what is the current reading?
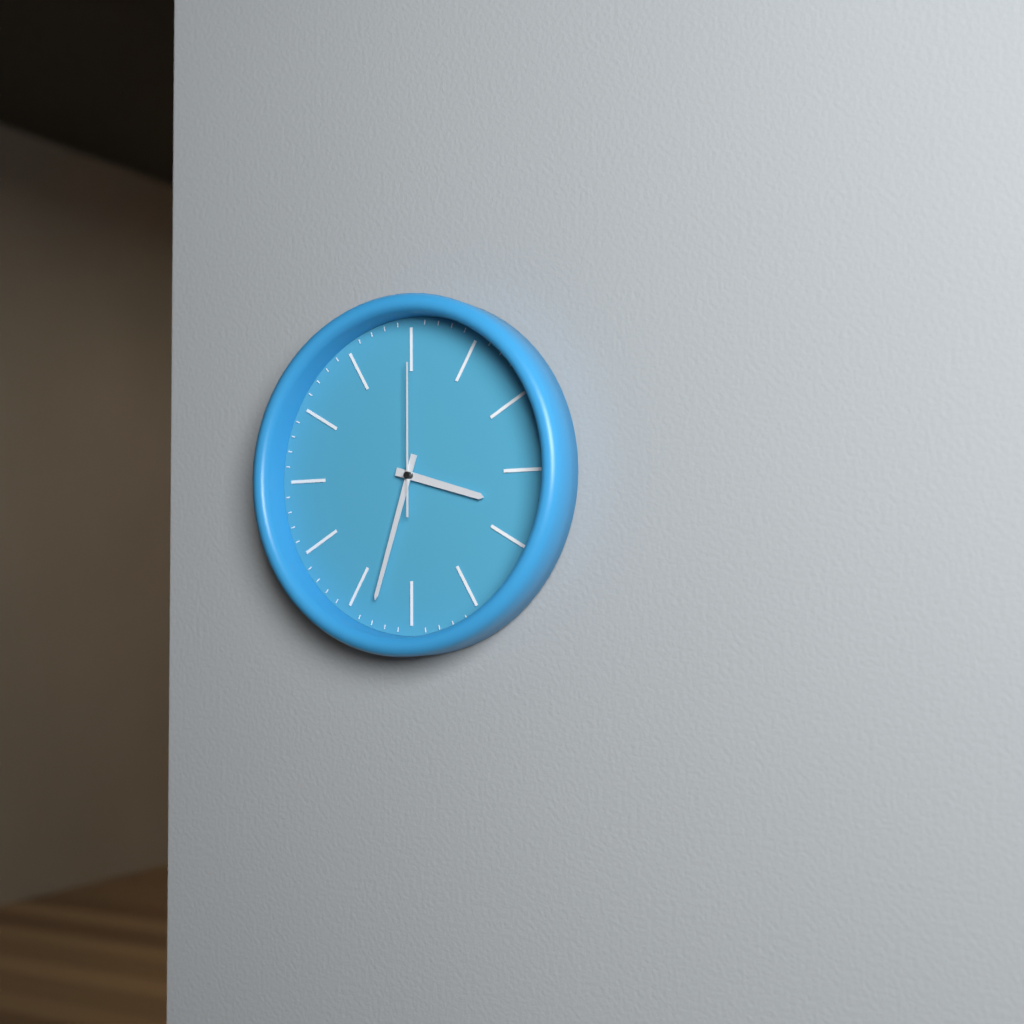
3:33:00
